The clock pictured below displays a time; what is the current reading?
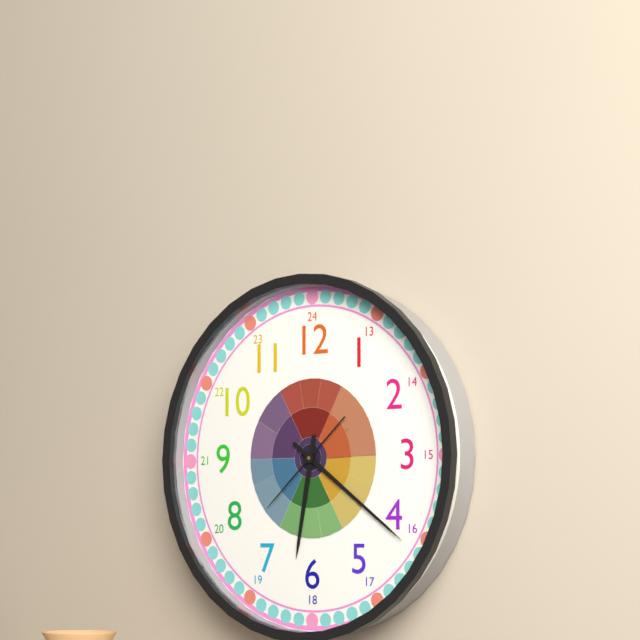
6:21:38
